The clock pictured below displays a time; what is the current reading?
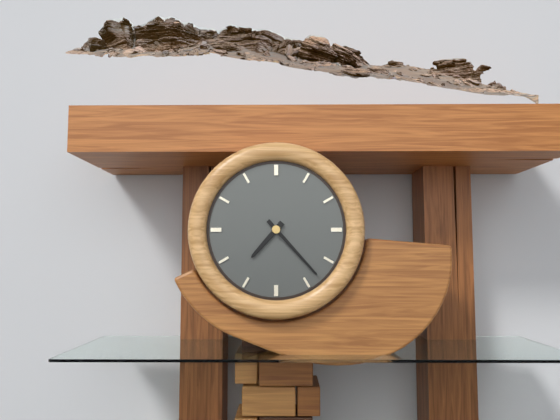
7:23
